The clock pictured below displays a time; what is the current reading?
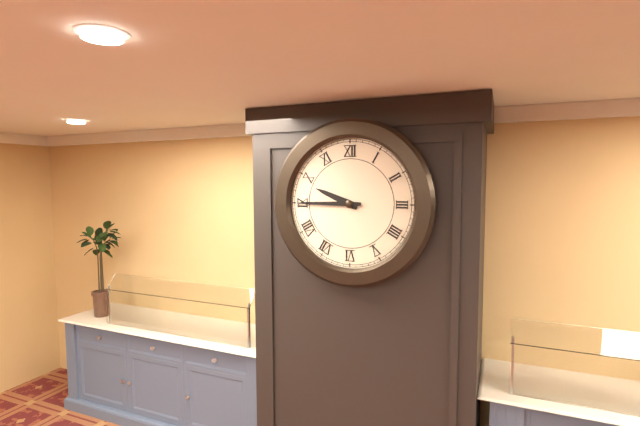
9:45
